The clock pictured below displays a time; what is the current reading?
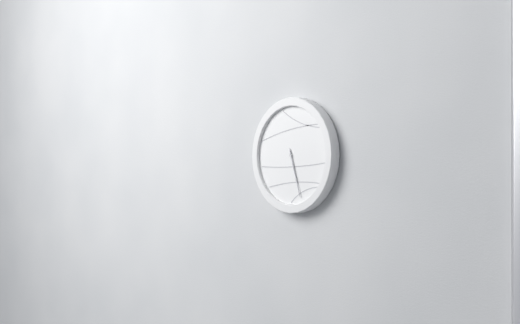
5:27
